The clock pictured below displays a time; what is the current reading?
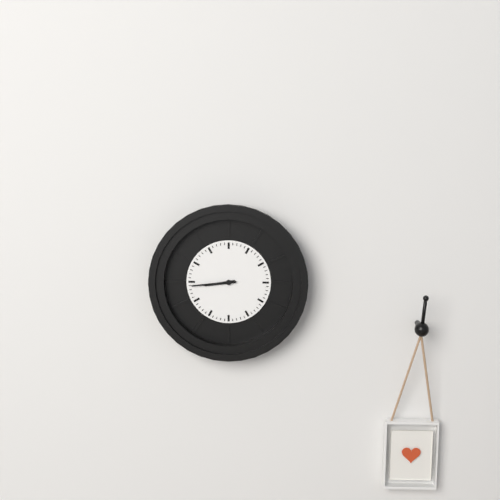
8:44
